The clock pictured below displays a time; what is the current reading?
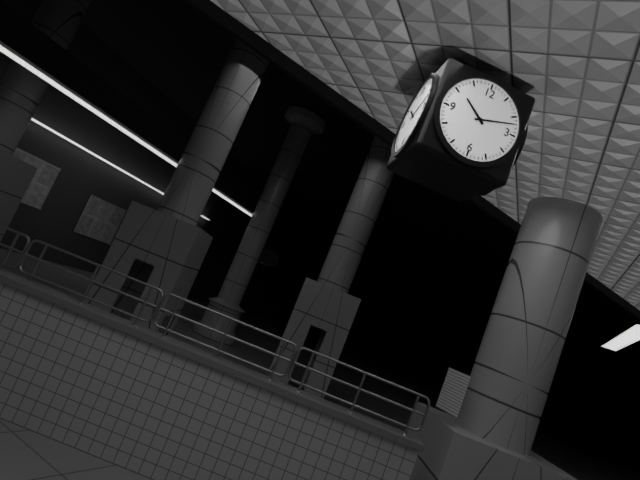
10:12
